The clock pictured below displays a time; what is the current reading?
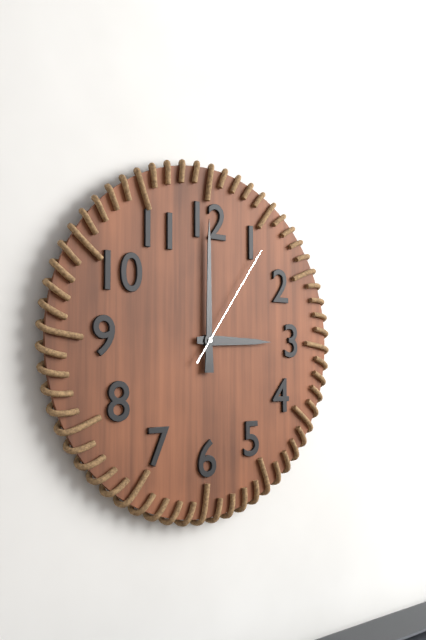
3:00:06
